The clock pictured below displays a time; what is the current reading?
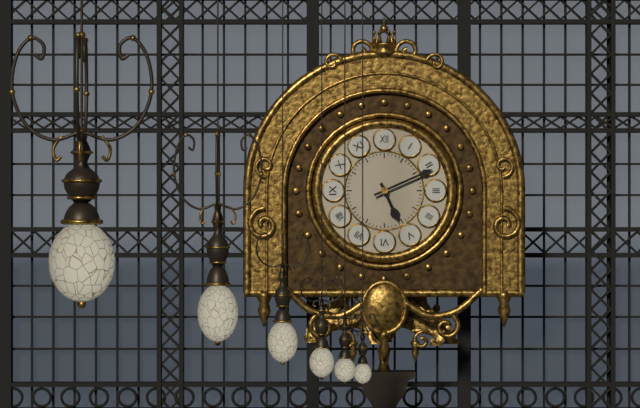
5:11
